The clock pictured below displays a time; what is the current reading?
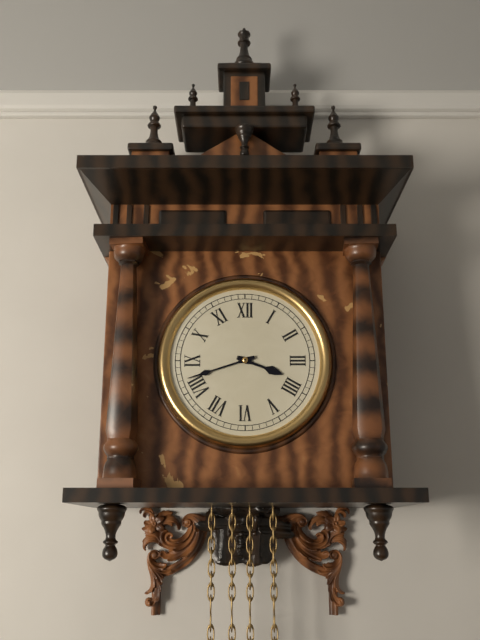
3:42
